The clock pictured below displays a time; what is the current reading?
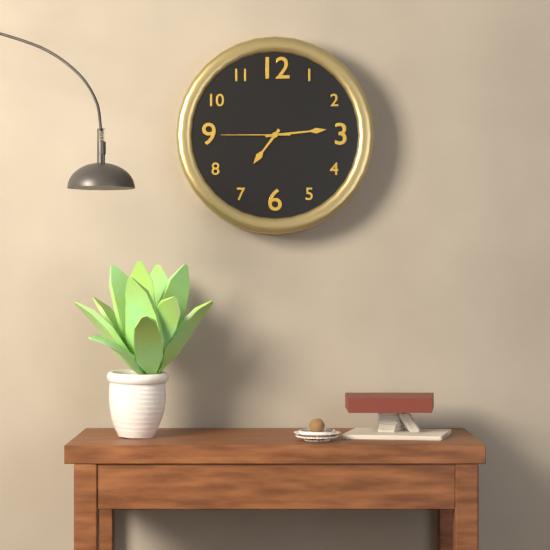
7:14:45
